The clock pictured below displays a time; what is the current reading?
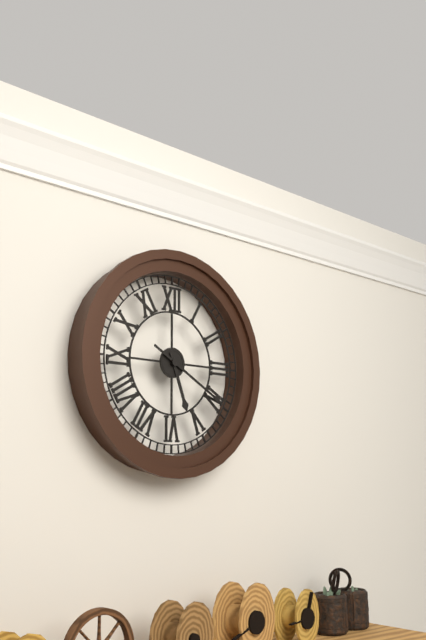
5:20
